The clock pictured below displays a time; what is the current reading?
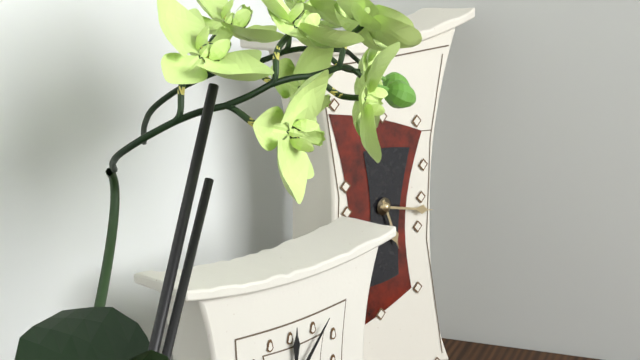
5:17
